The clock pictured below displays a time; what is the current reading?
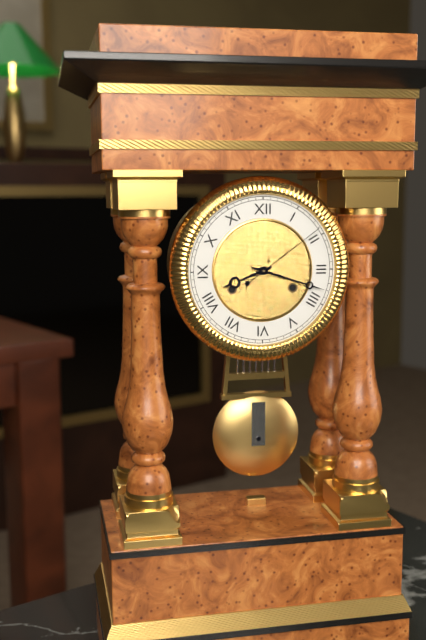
8:18:09
